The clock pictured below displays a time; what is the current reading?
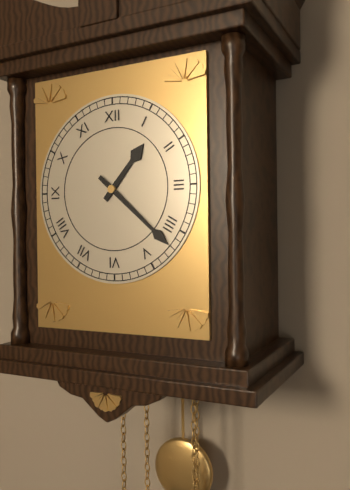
1:22
